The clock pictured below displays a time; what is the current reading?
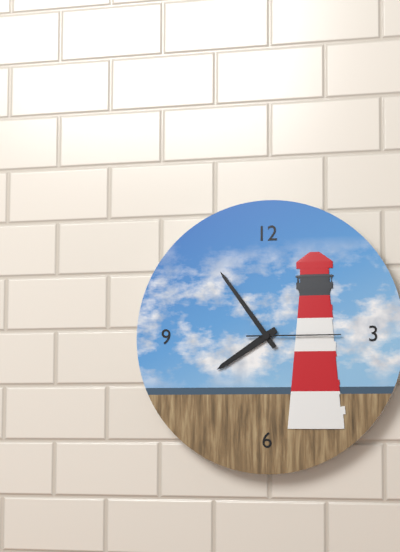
7:54:15
